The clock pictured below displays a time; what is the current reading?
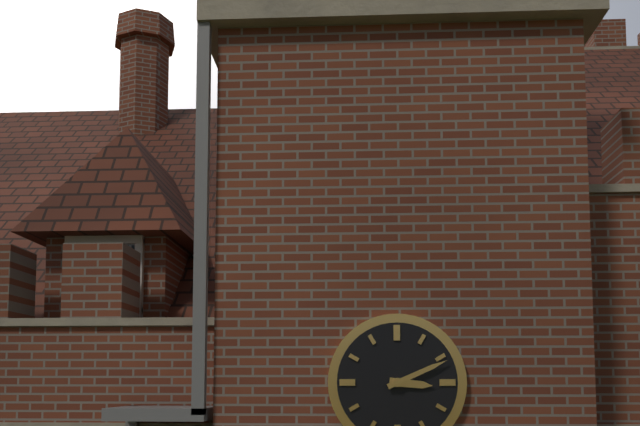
3:11
